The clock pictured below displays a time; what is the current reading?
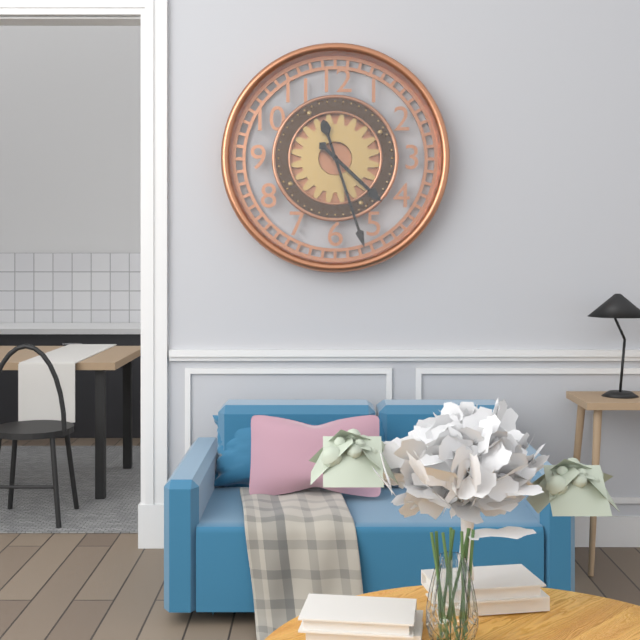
4:27
